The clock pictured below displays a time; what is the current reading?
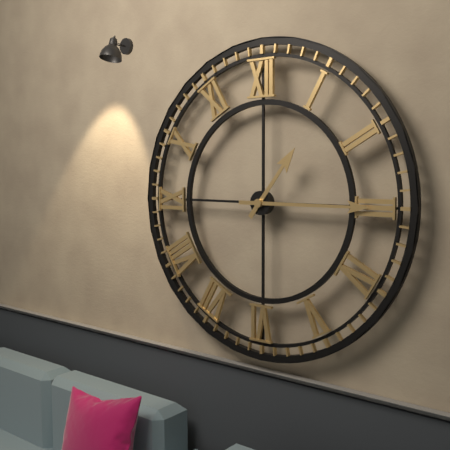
1:15
